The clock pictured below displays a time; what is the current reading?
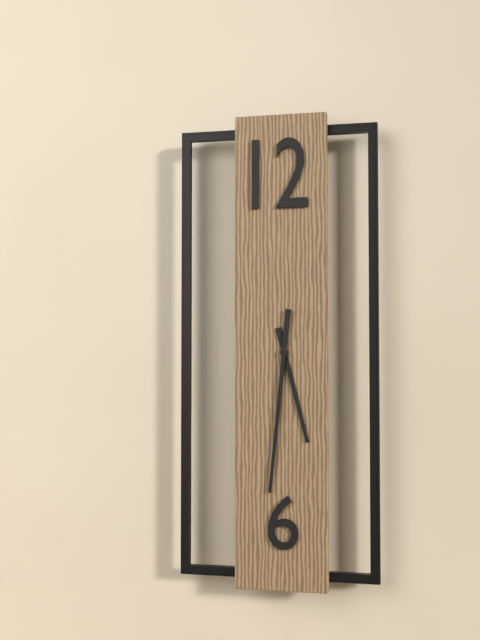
5:31
